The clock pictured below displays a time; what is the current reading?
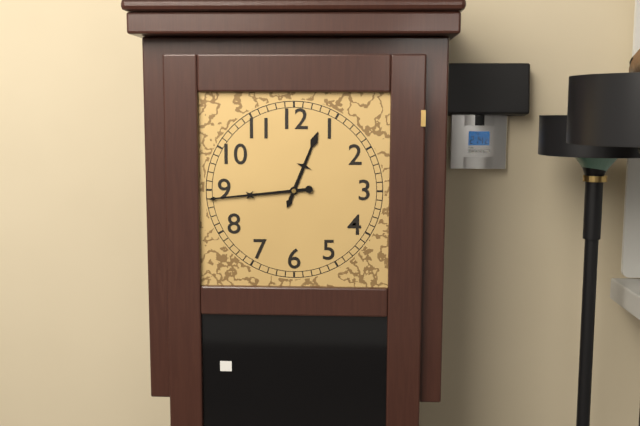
12:44
